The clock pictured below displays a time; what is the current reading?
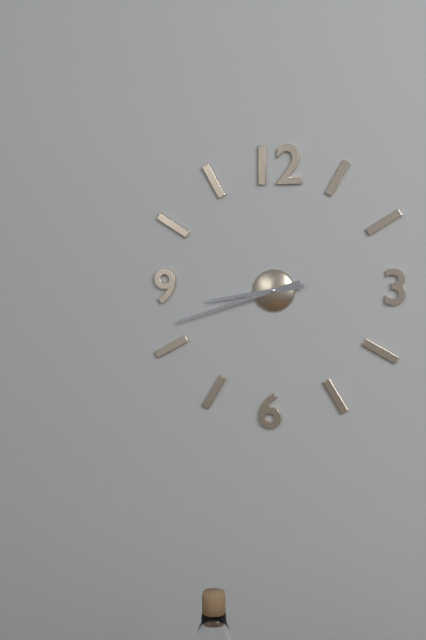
8:42
